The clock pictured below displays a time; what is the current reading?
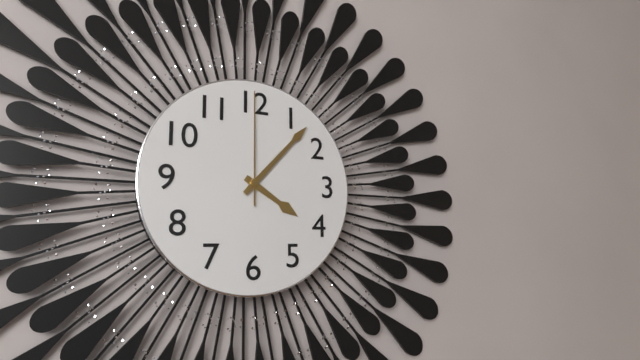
4:07:00
